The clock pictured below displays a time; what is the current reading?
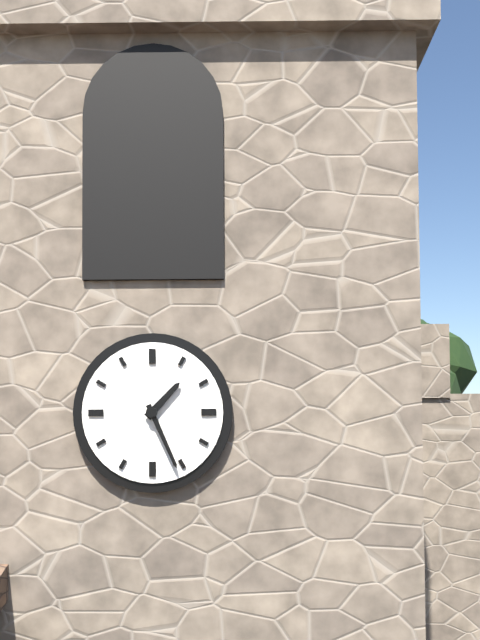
1:26
